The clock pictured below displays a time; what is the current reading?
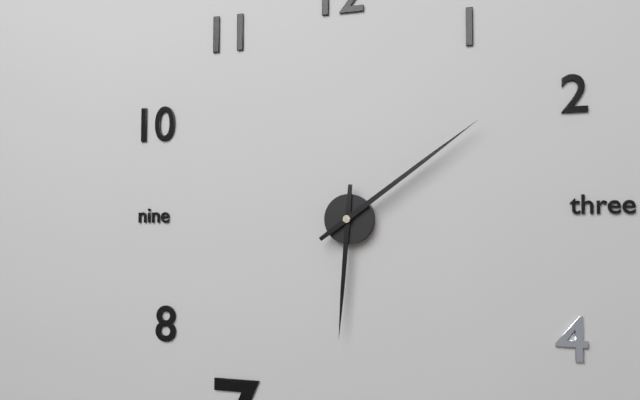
6:09
